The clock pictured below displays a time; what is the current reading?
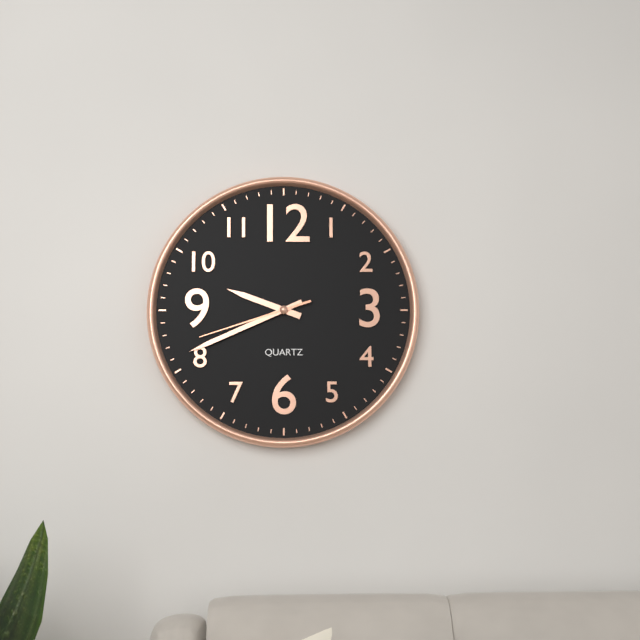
9:41:42
